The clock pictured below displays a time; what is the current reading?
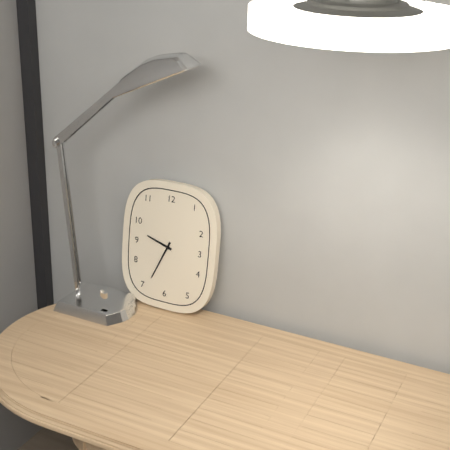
9:34
